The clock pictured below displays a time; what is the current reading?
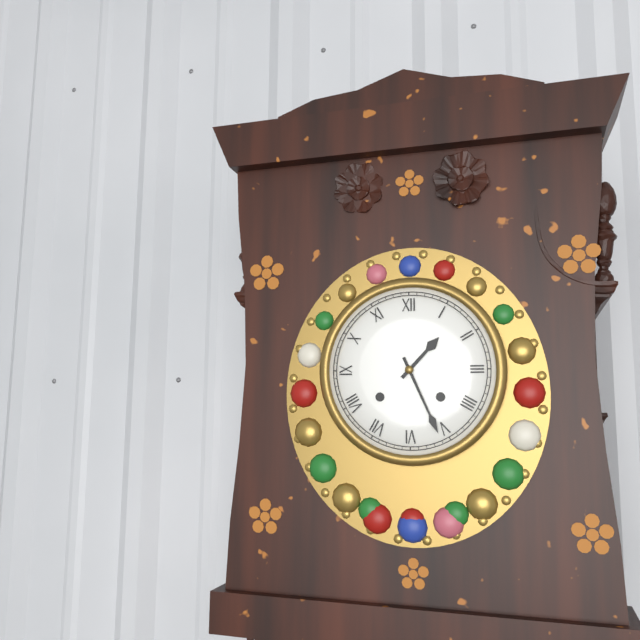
1:26
